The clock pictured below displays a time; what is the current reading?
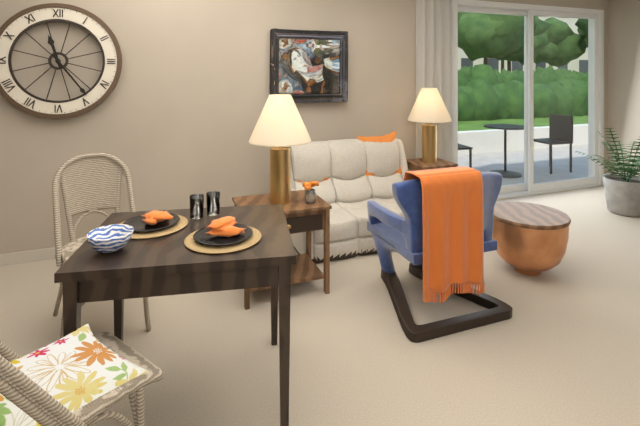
11:24
